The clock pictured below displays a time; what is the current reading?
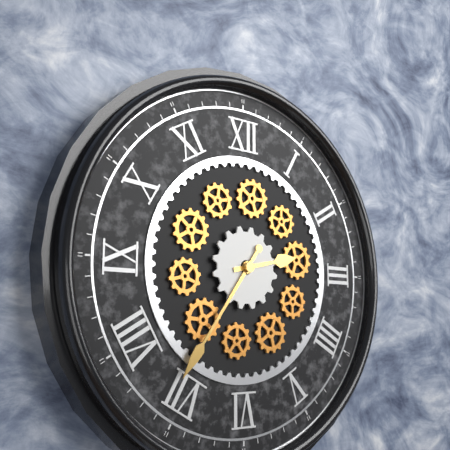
2:36
